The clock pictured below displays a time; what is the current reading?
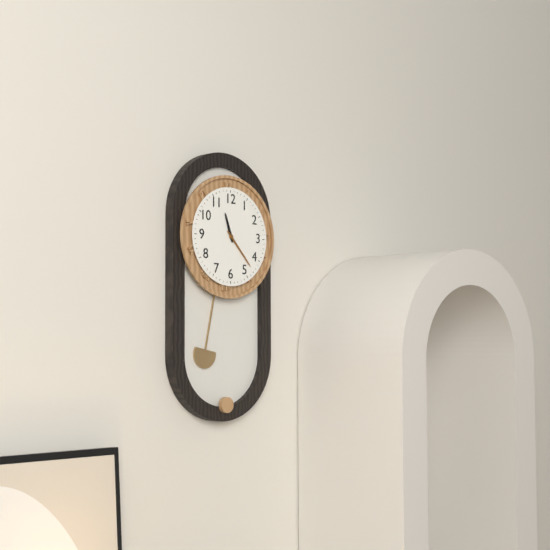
11:23
